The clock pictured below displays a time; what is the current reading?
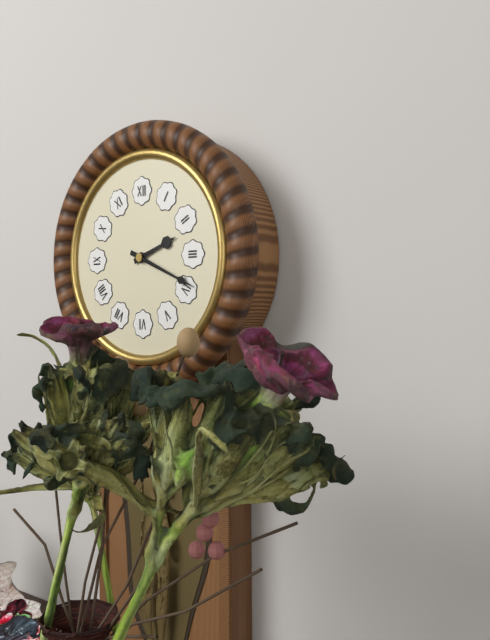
2:19
